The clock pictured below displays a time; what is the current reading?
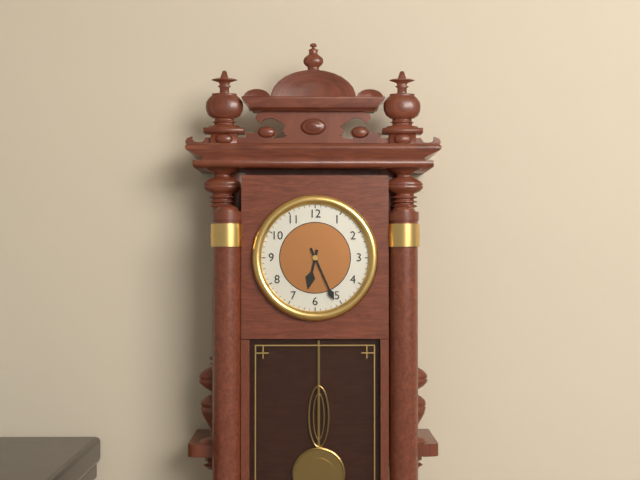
6:26
